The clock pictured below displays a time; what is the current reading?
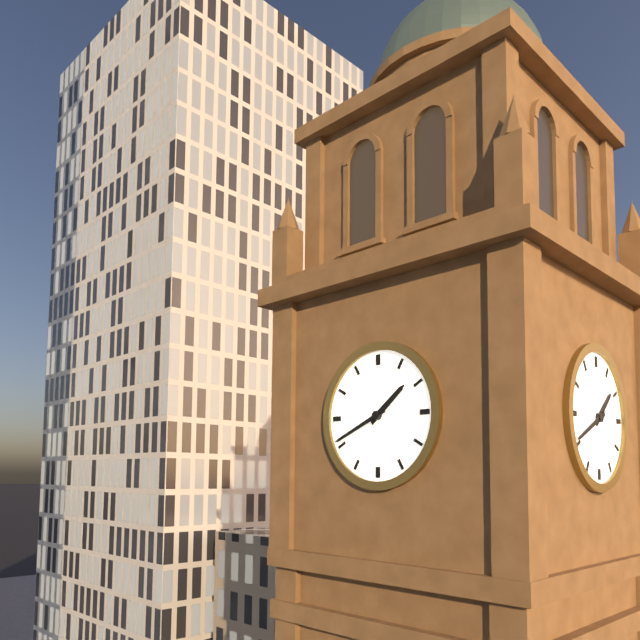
1:41
